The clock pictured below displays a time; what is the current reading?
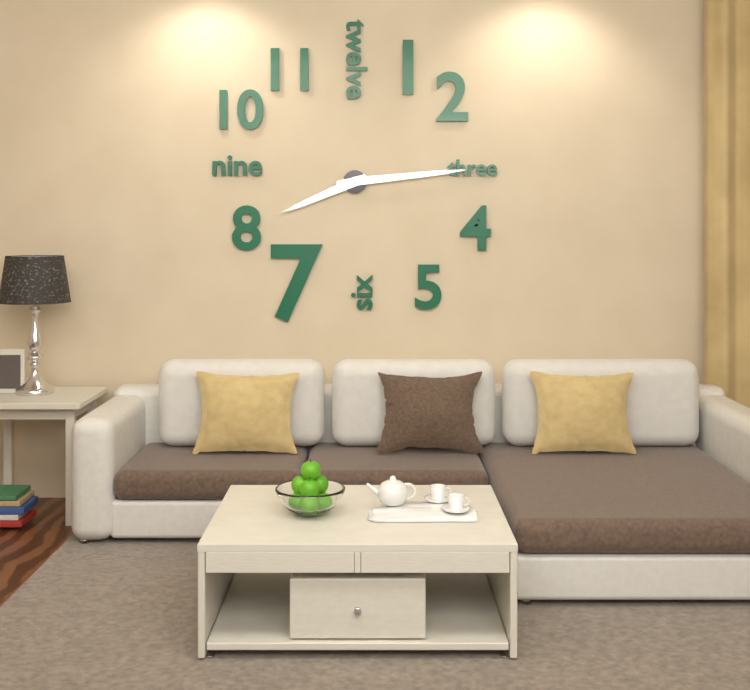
8:14
